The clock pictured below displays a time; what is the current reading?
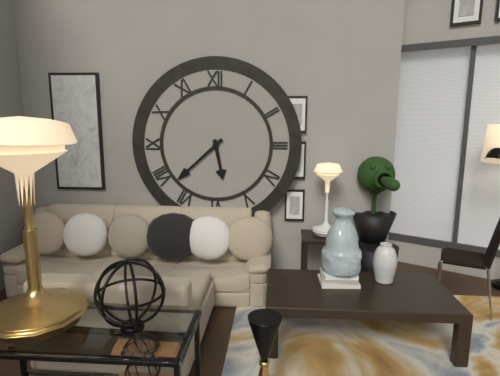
5:38
